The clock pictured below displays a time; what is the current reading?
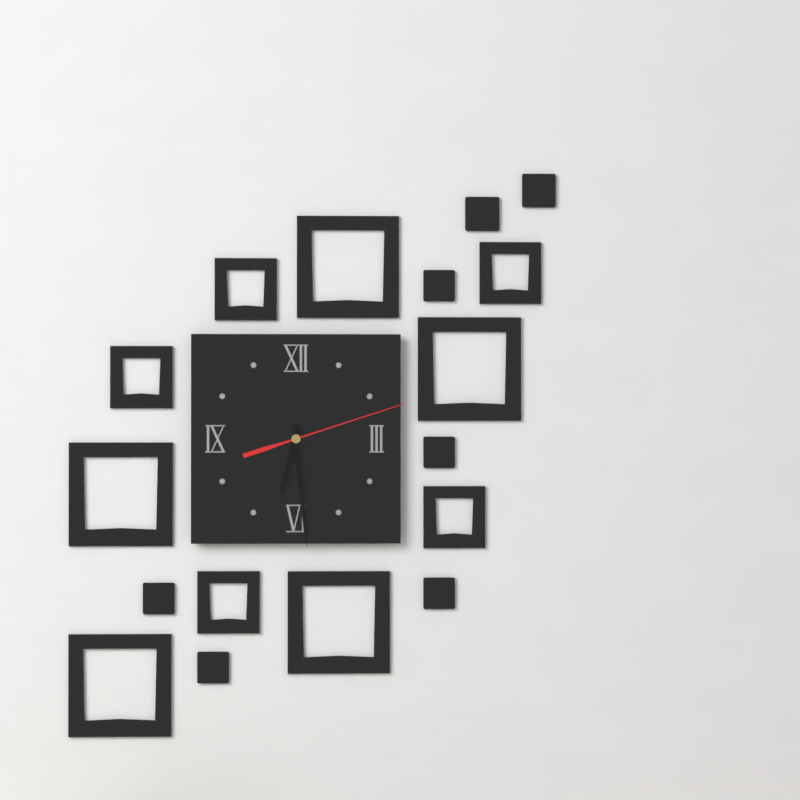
6:29:12
